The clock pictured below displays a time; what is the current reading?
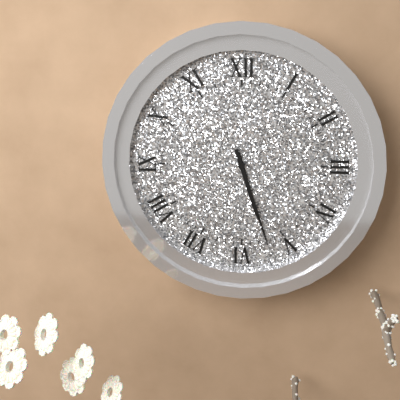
5:27
